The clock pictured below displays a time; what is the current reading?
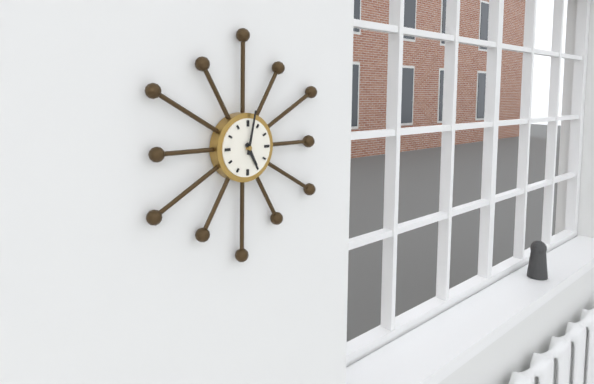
5:02
